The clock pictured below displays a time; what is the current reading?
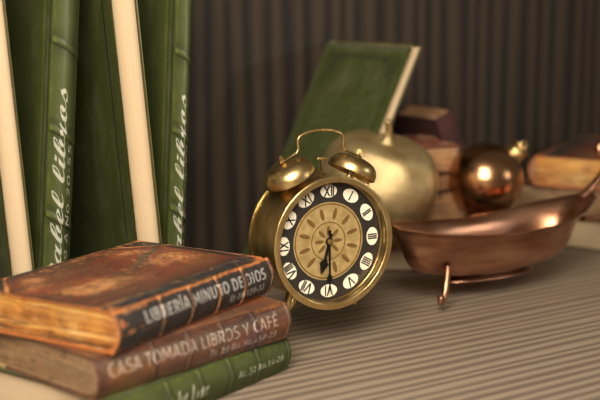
6:30
